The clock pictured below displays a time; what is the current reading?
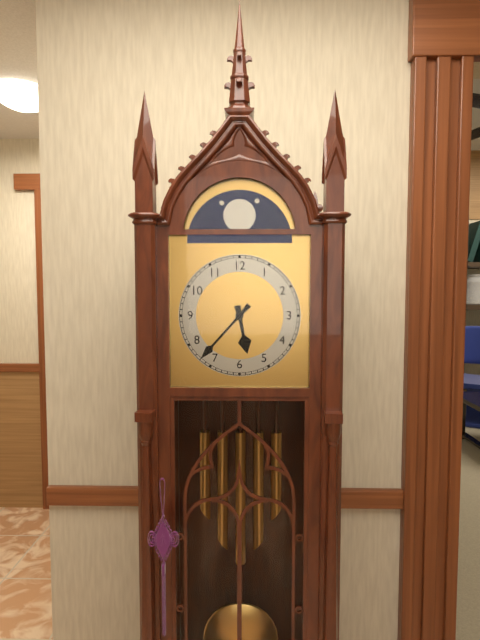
5:37
